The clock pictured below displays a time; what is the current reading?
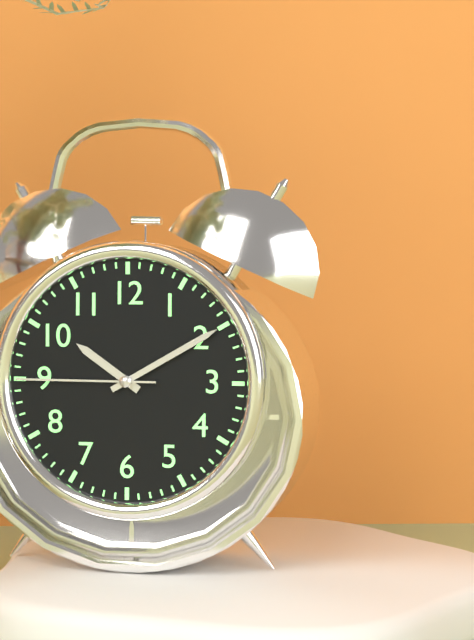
10:10:45
